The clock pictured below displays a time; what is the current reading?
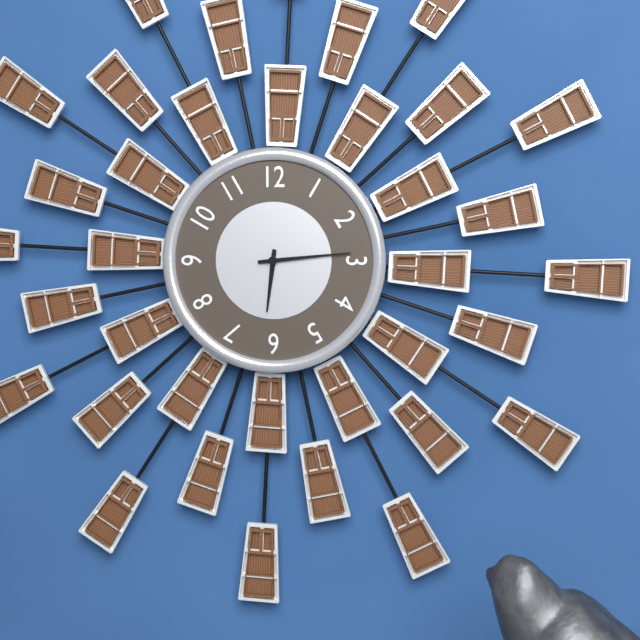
6:14
